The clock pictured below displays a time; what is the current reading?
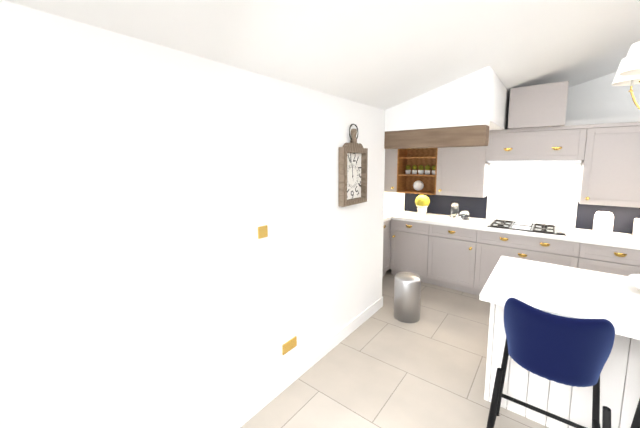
11:58
